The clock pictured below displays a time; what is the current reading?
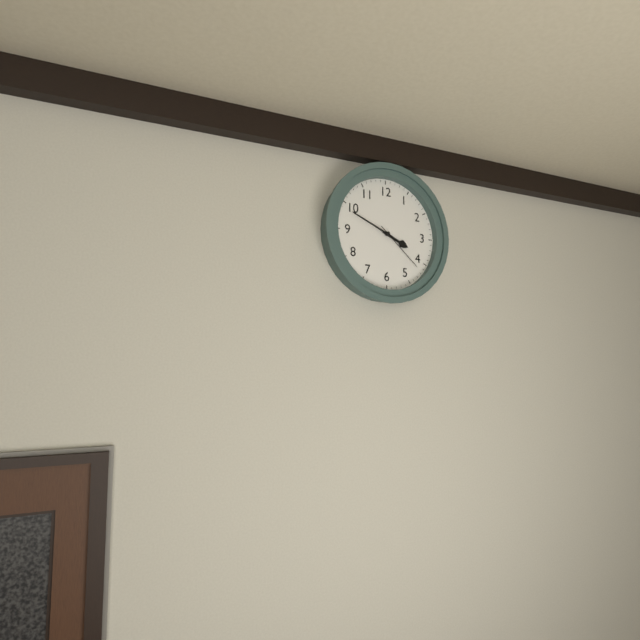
3:49:22
